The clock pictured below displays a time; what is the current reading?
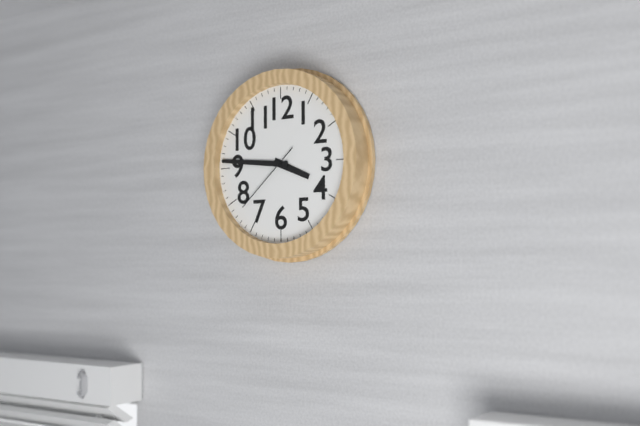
3:46:38
